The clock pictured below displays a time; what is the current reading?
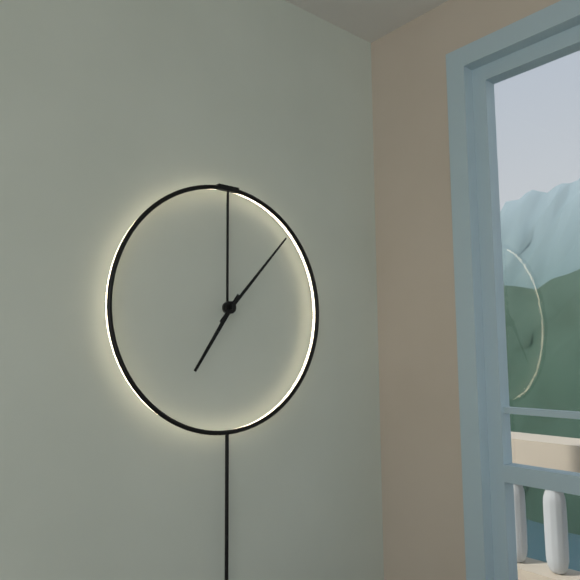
7:07
